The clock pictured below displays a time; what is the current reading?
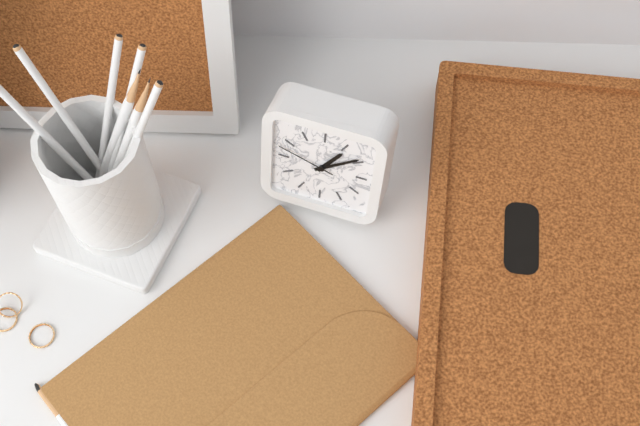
1:09:48
